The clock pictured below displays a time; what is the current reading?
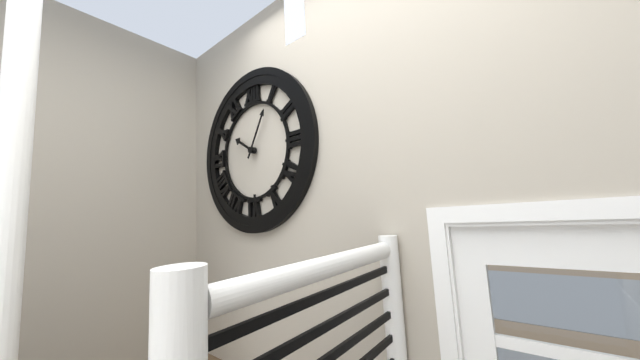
10:05
